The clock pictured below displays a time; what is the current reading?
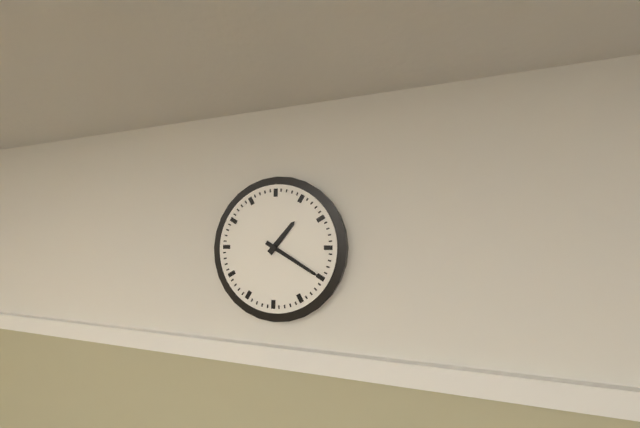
1:20
